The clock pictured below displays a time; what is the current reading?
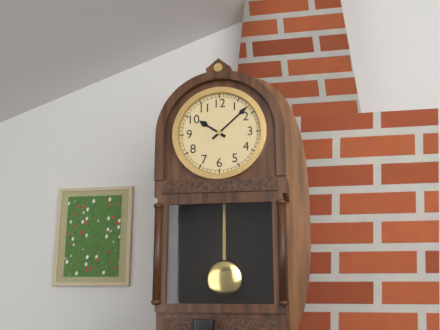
10:08
